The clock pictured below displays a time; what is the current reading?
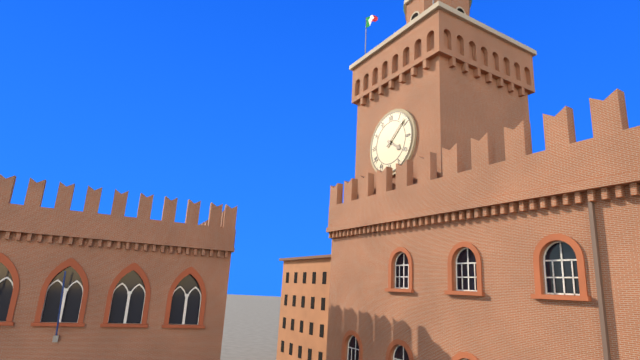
4:08
